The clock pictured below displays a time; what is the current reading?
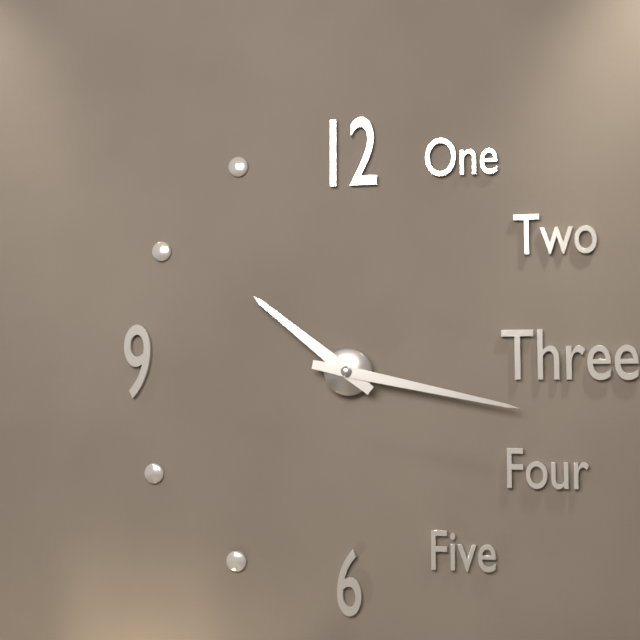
10:17
